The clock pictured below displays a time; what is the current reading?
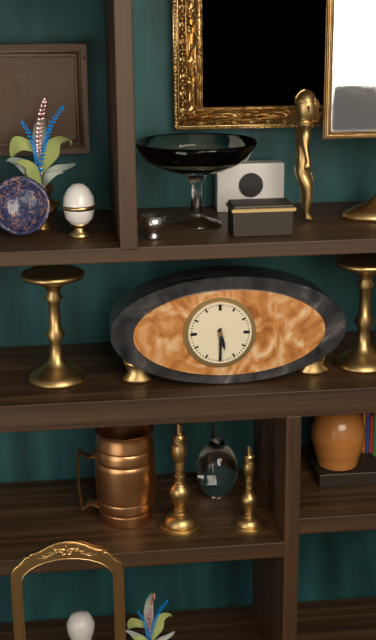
5:30
